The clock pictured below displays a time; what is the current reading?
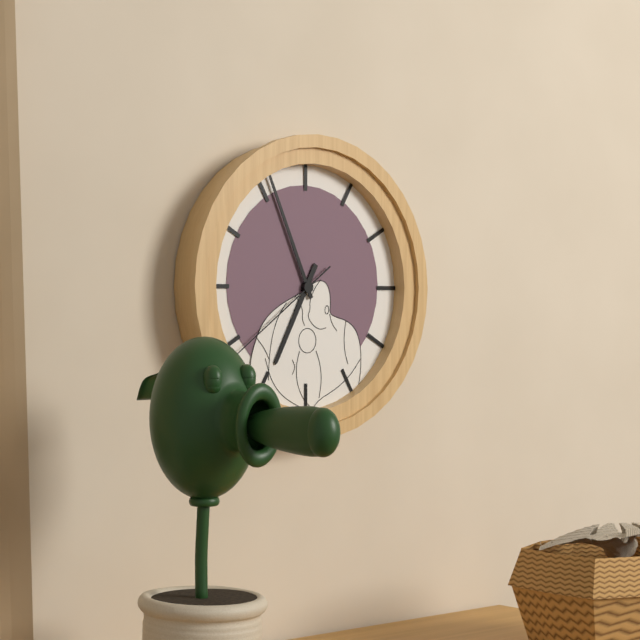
6:56:39
